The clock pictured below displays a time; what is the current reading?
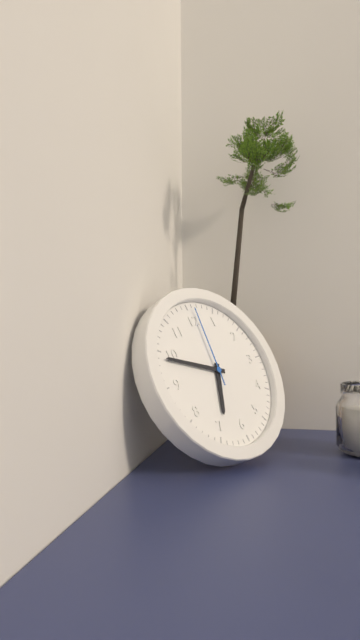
6:49:01
